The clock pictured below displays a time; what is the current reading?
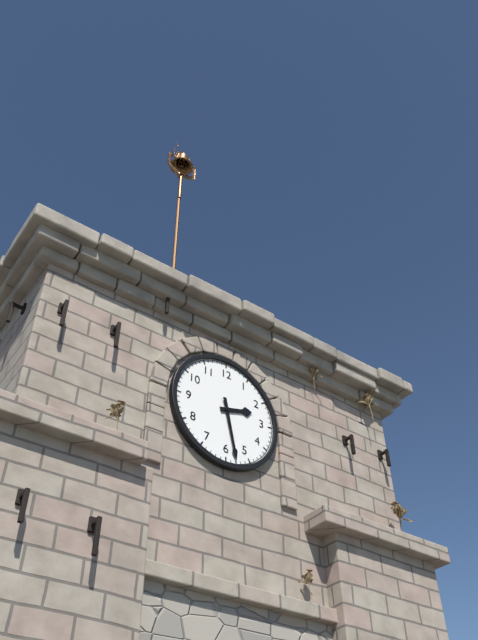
2:28
